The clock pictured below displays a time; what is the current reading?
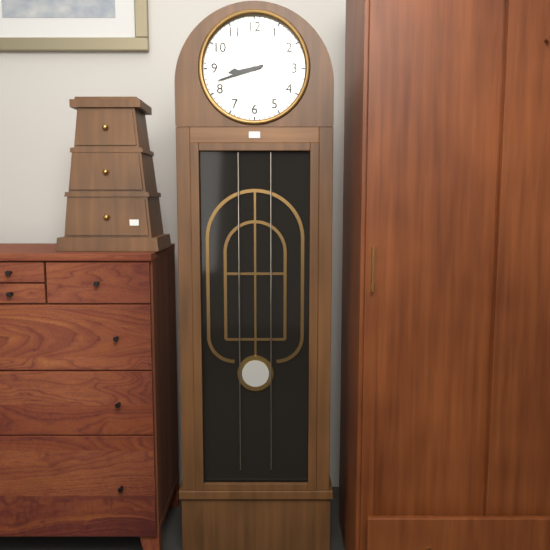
8:42
